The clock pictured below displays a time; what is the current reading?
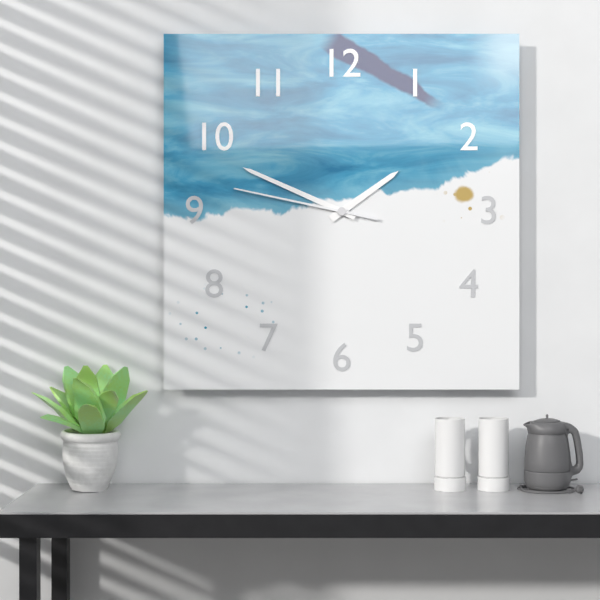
1:49:47
